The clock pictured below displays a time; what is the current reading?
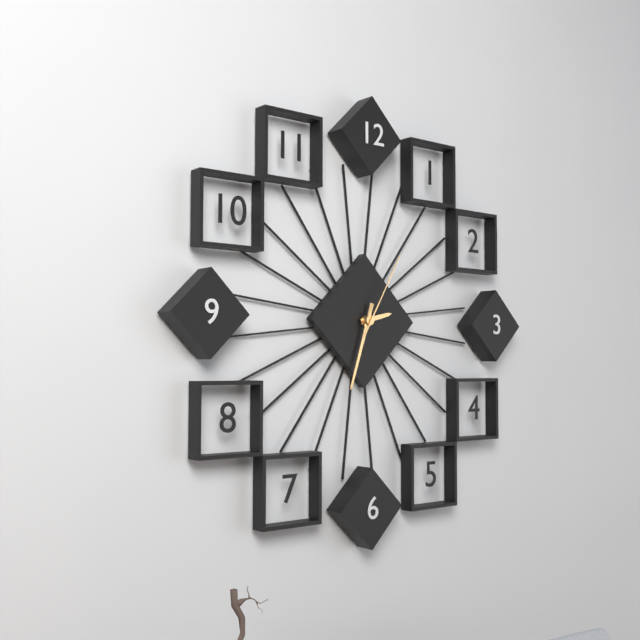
2:33:05
